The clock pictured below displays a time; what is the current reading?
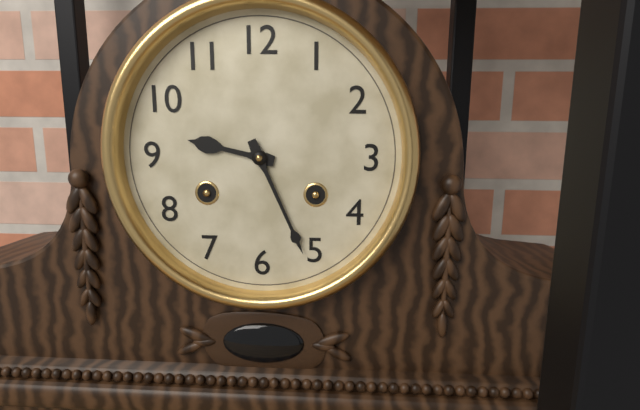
9:26
